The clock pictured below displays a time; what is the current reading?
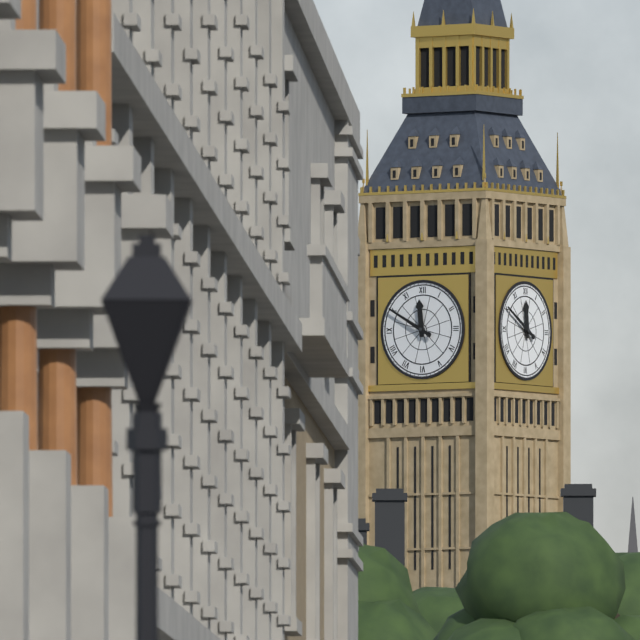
11:50
